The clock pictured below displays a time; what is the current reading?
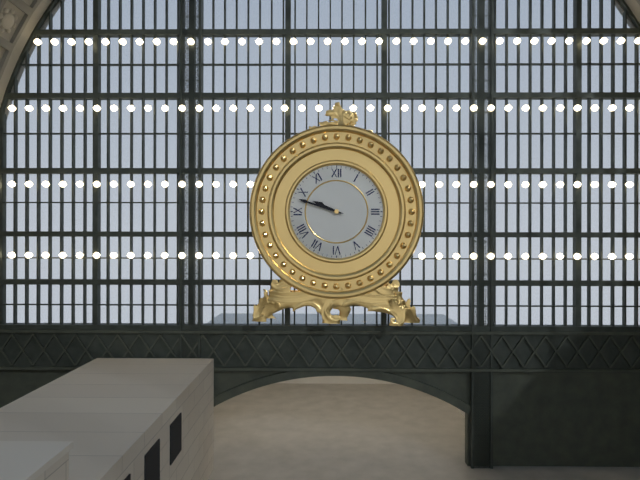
9:48
